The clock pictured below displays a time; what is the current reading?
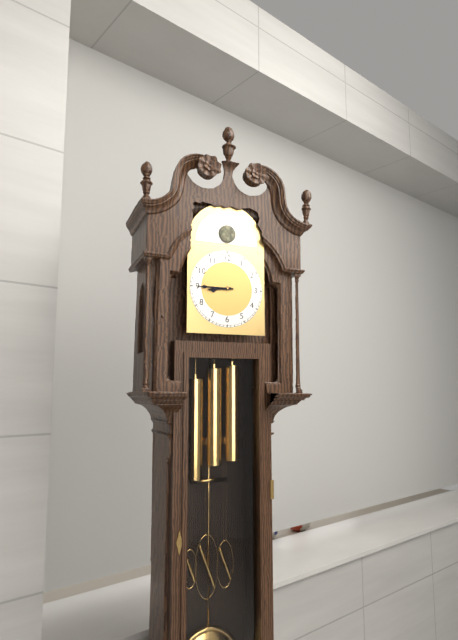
8:45
